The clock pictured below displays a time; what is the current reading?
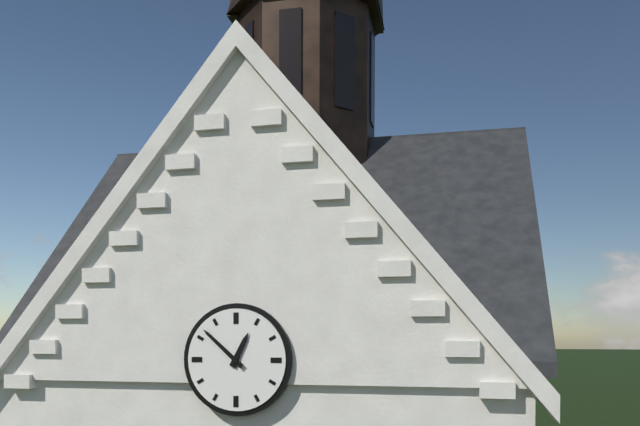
12:52
